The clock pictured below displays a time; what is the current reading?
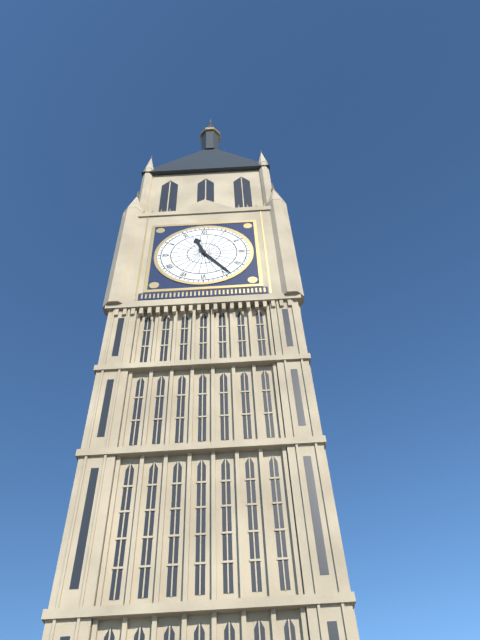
11:24
